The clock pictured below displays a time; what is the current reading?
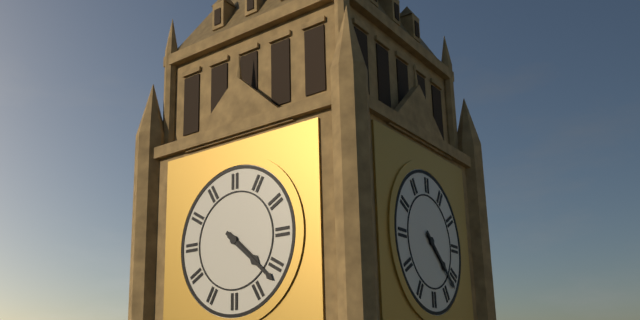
4:22
